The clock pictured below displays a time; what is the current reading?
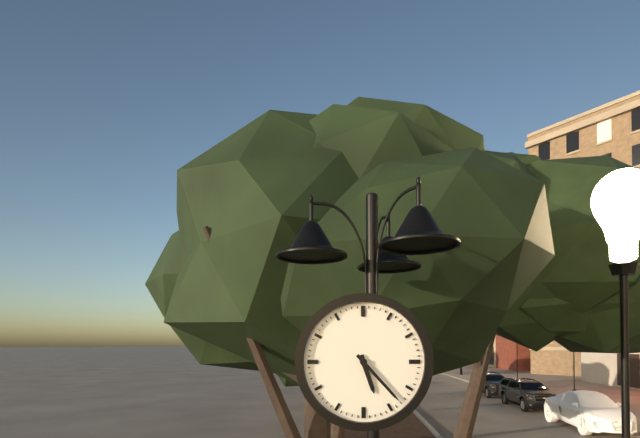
5:23
